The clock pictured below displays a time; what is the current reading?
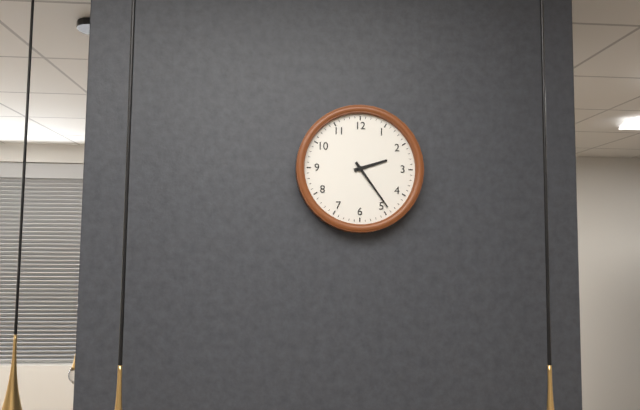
2:24
